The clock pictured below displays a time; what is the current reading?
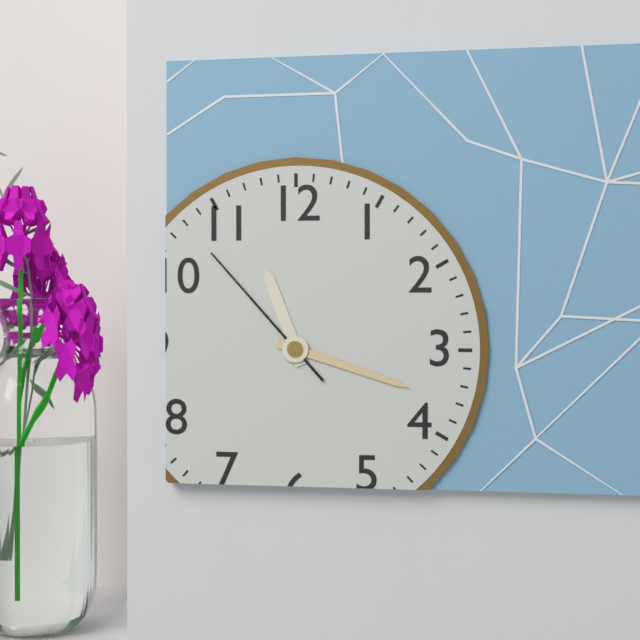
11:18:53
